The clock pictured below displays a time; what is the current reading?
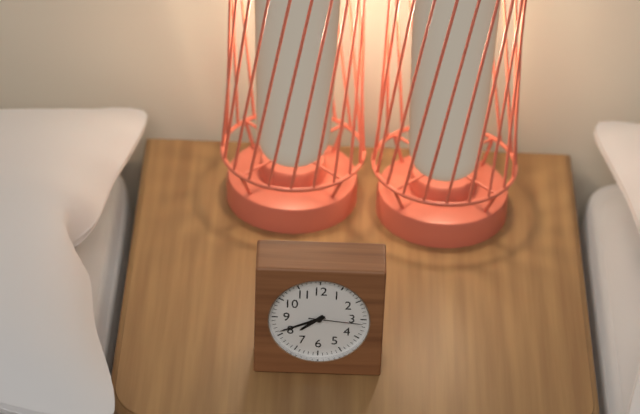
7:41:16
